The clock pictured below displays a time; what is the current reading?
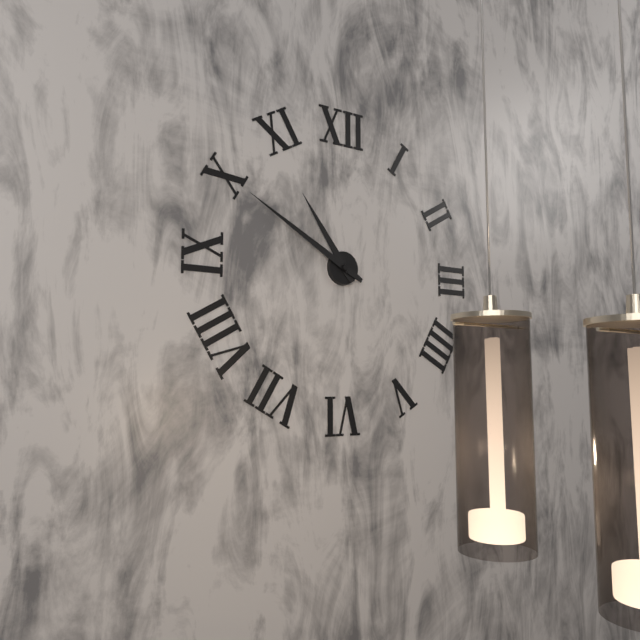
10:50
